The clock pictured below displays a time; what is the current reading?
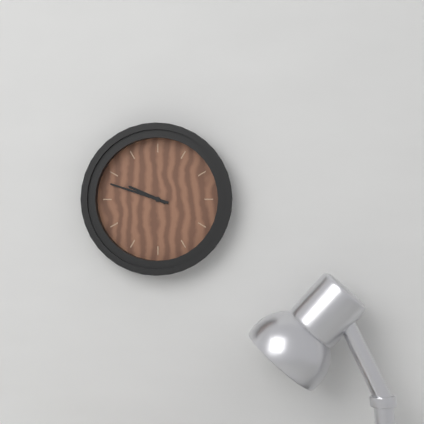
9:48
